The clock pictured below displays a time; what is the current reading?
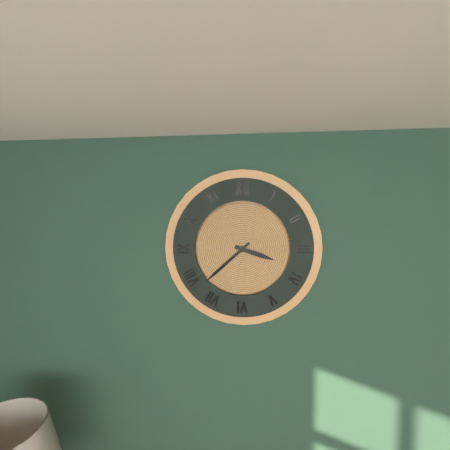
3:38
